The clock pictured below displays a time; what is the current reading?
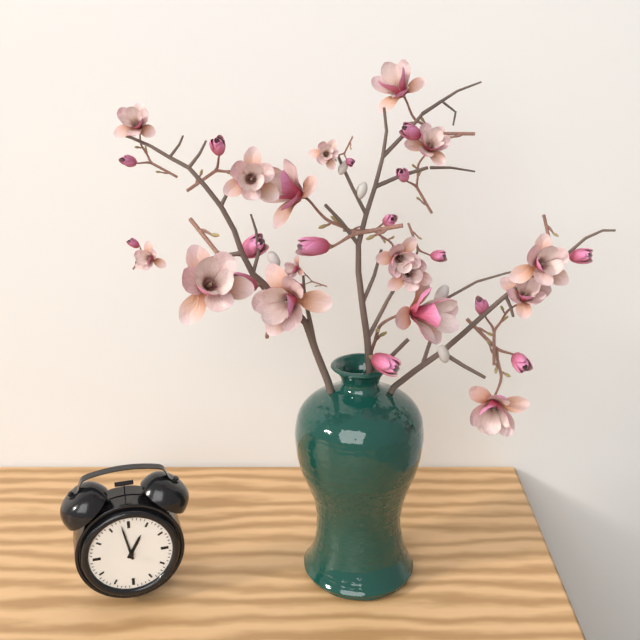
12:58
